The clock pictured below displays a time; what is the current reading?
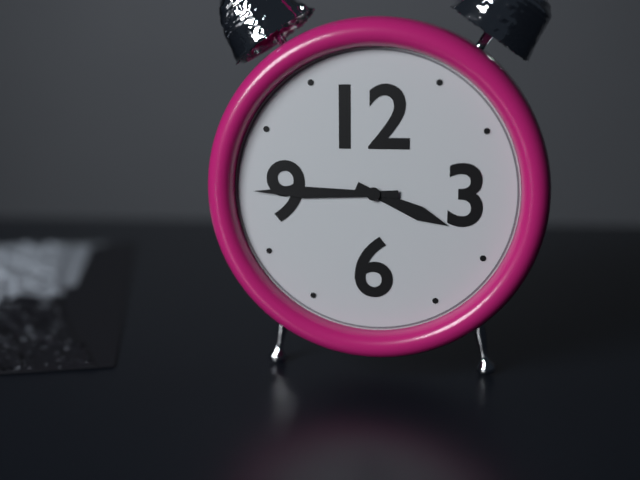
3:45
